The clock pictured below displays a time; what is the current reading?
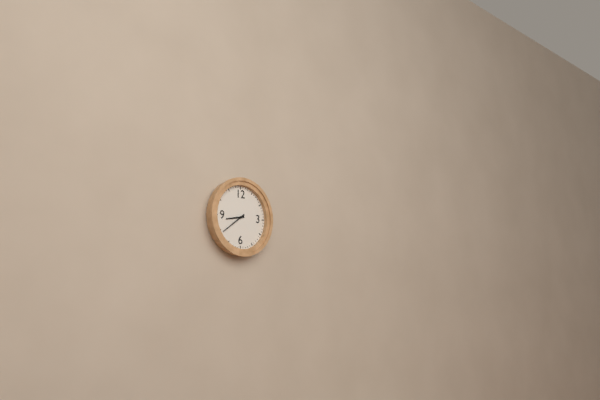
8:39
